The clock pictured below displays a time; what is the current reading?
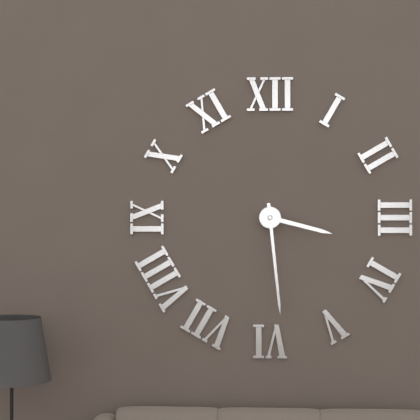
3:29
